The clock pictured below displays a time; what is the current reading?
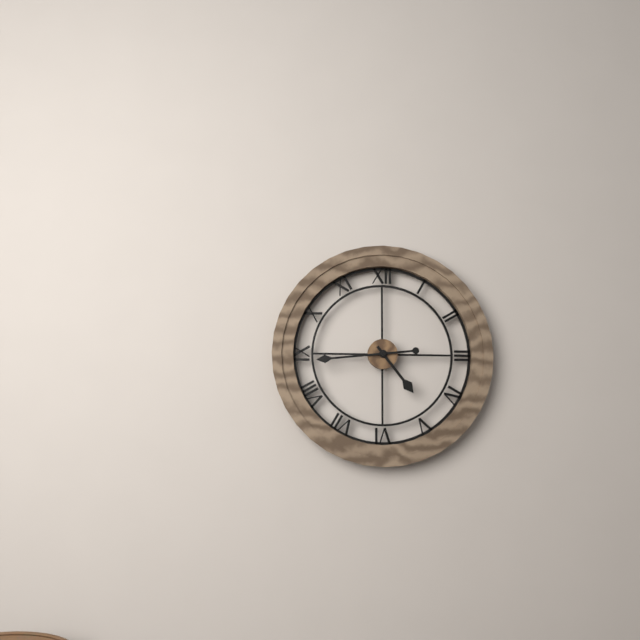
4:44
